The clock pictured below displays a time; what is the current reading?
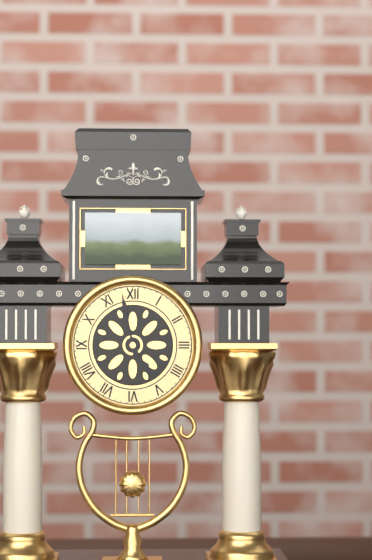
4:58
